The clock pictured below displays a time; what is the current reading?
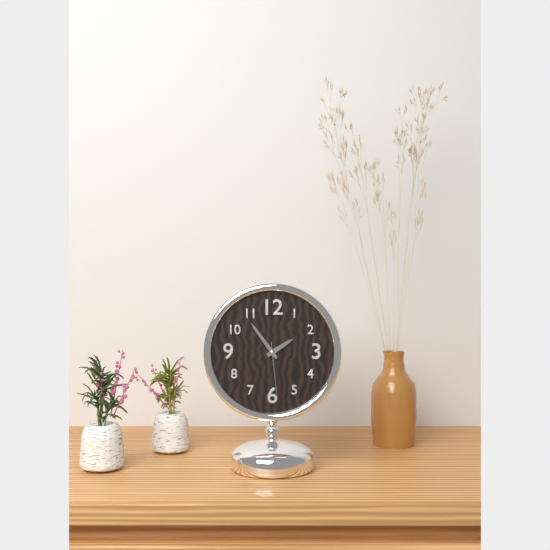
1:54:29
